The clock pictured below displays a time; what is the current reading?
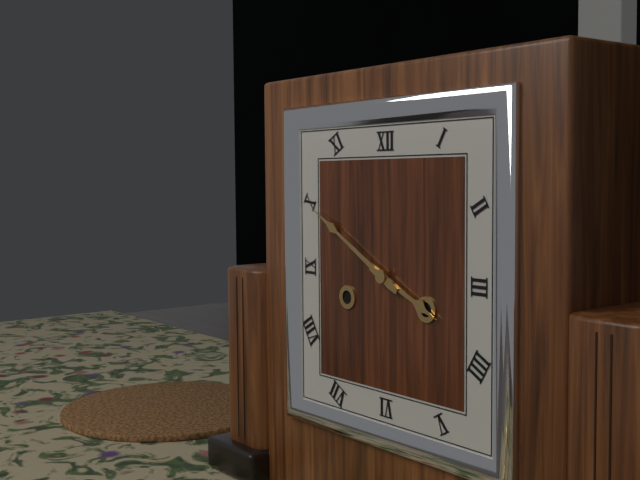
3:50
